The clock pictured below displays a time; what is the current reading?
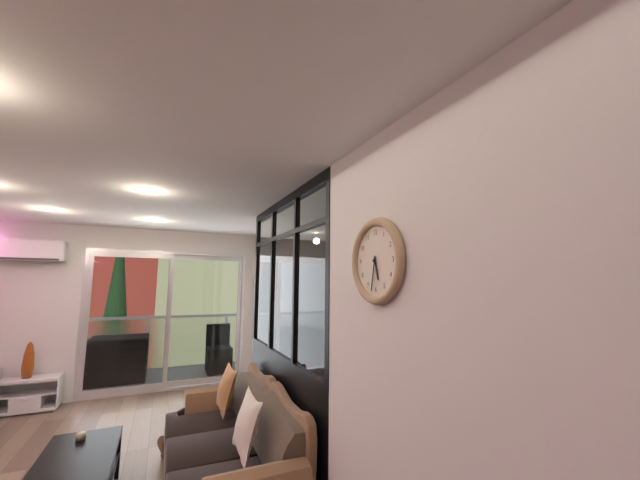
5:32
